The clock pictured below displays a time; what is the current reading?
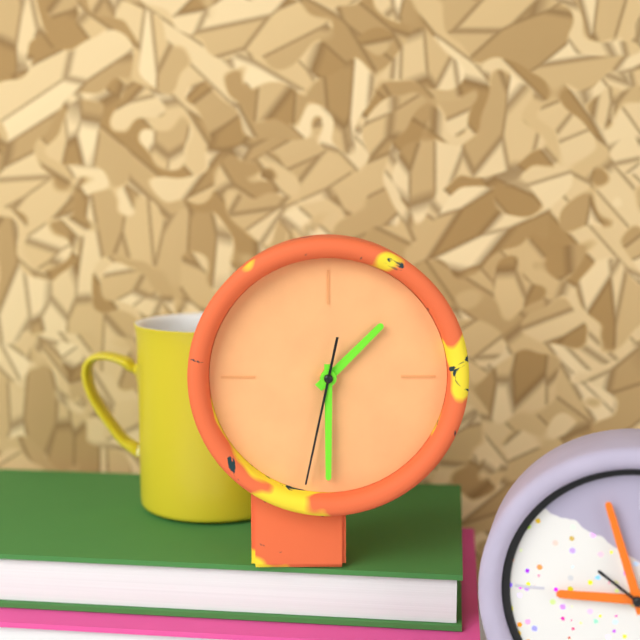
1:30:32
